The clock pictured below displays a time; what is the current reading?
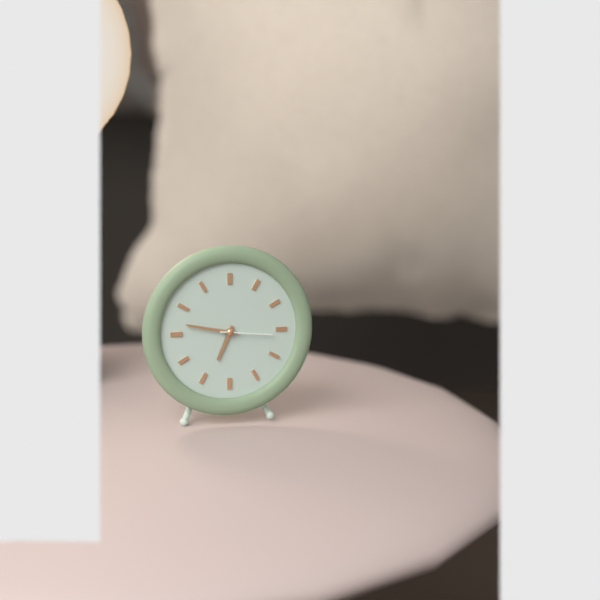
6:47:16
